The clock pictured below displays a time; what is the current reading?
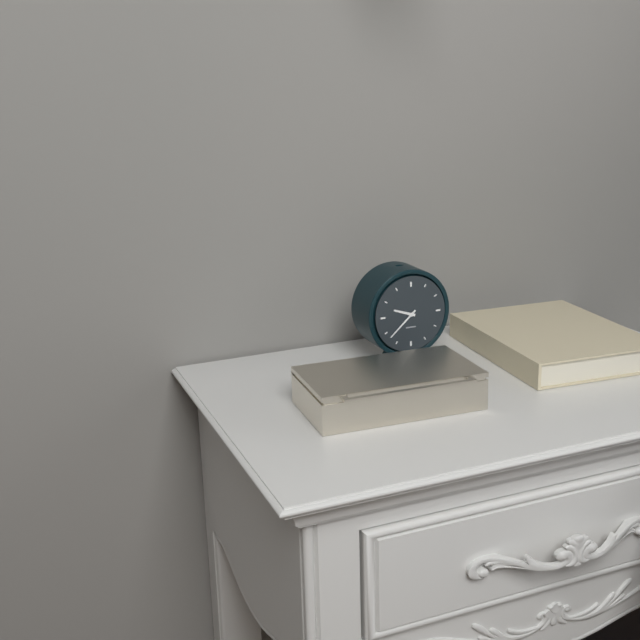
9:38
